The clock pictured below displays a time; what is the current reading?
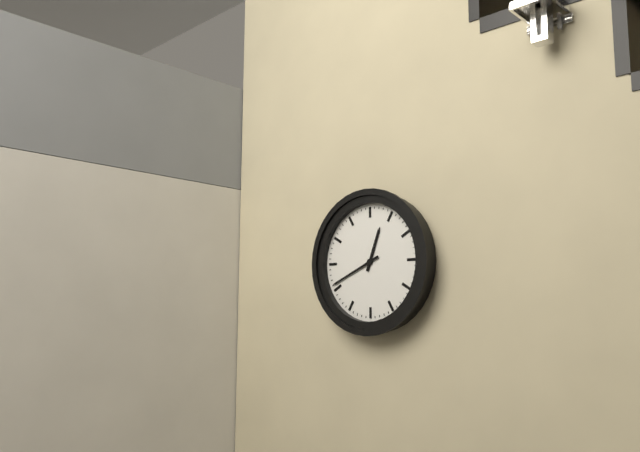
12:41
